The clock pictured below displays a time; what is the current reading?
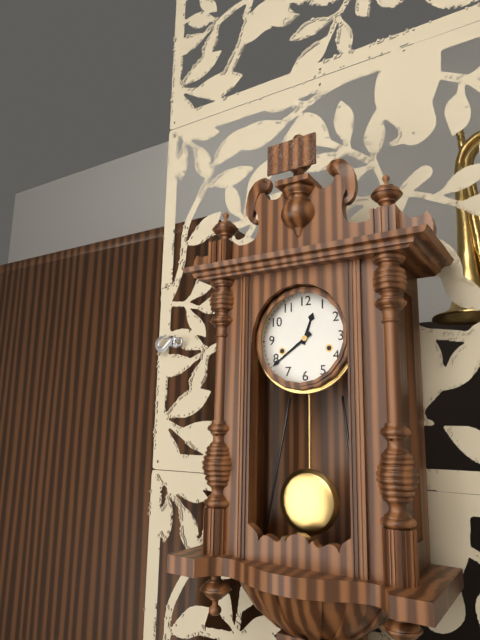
12:39
